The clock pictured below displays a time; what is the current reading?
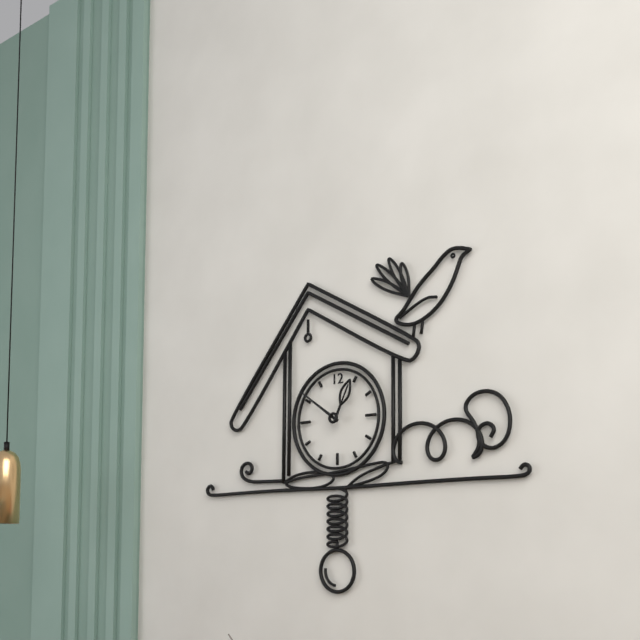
12:51
